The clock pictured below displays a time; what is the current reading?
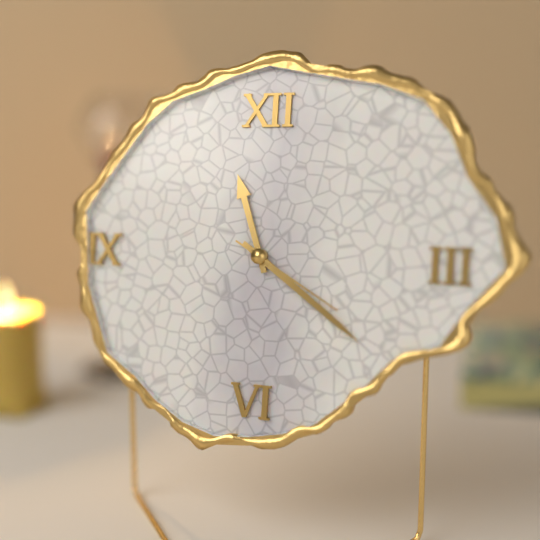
11:21:20
